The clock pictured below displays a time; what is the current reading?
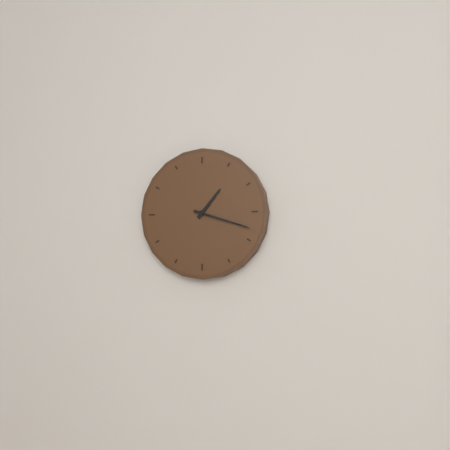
1:18
